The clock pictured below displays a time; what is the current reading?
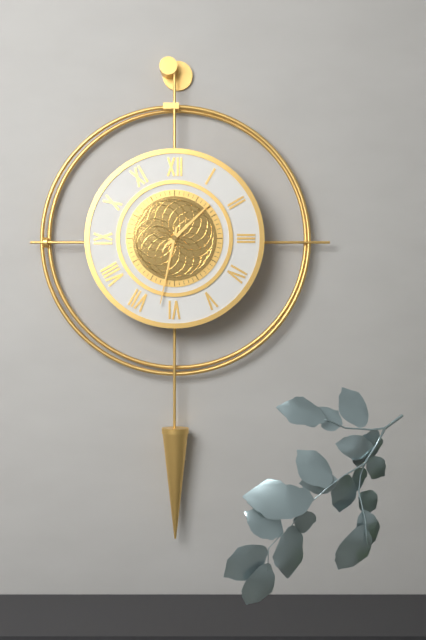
1:32
